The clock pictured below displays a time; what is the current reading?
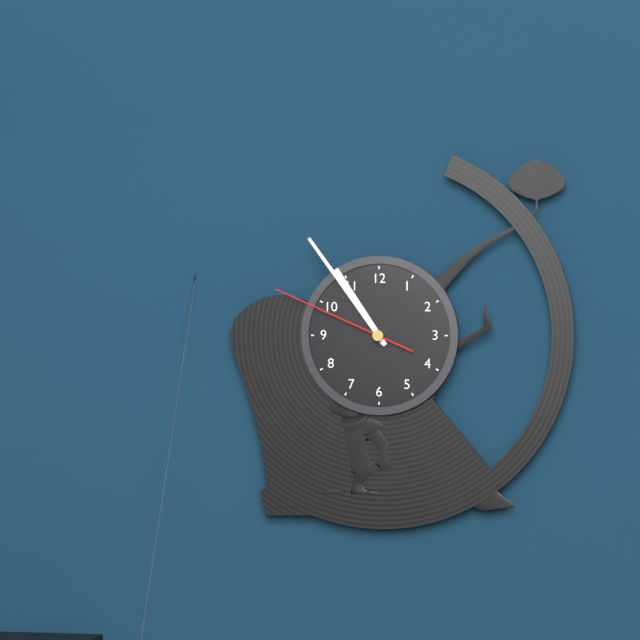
10:54:49
